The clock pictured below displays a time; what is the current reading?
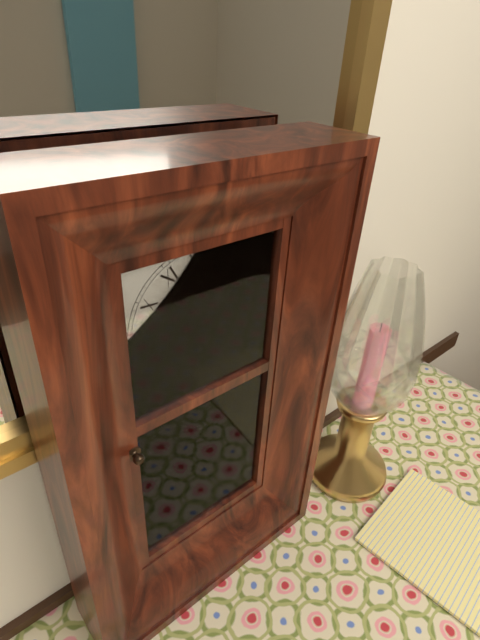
8:40
